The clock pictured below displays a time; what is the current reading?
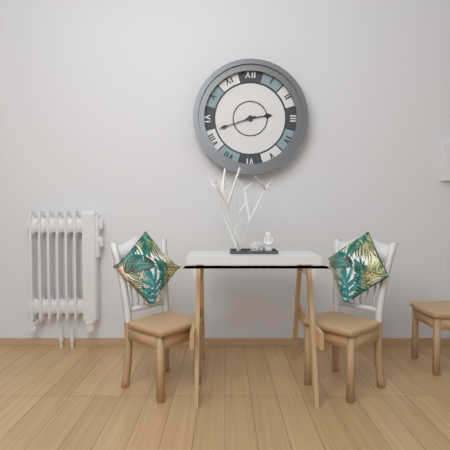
2:42
